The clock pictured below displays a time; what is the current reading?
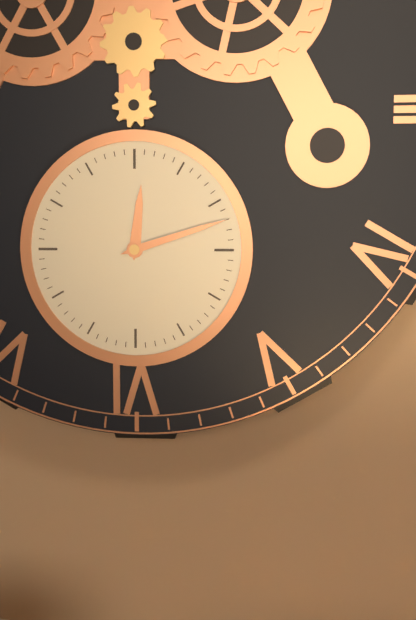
12:12
